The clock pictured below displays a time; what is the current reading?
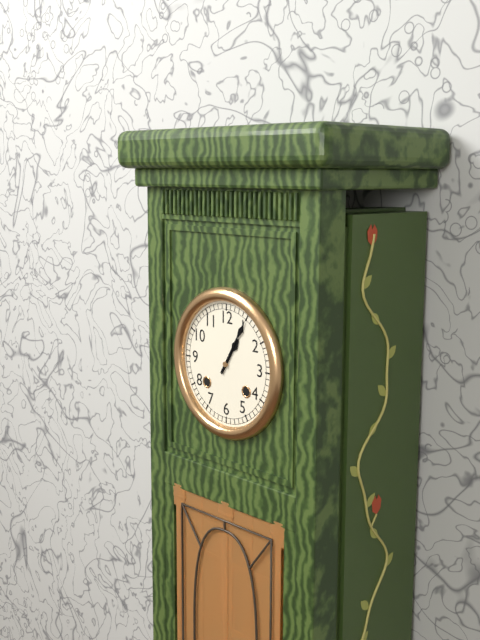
1:05
